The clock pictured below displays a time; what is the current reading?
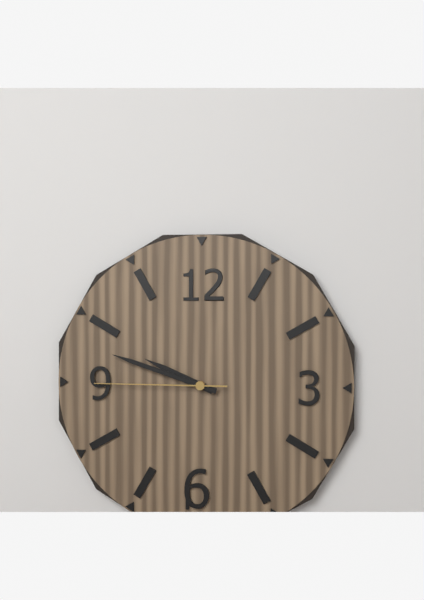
9:48:45
